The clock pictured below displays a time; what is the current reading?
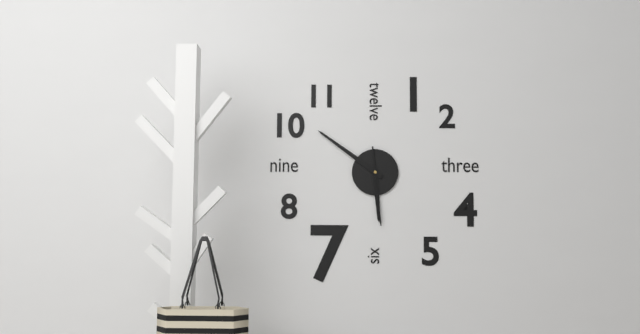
5:51:29
